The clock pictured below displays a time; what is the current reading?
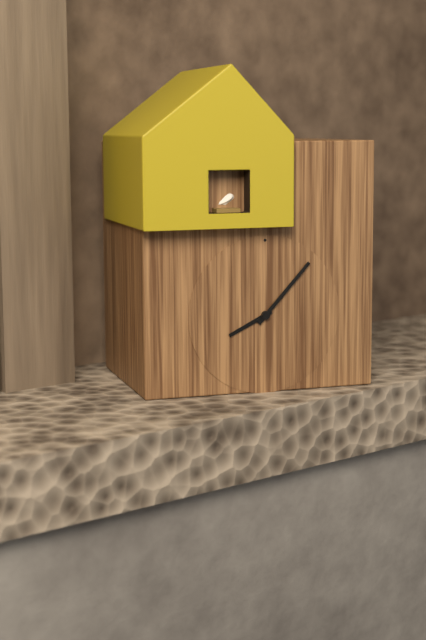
8:07
